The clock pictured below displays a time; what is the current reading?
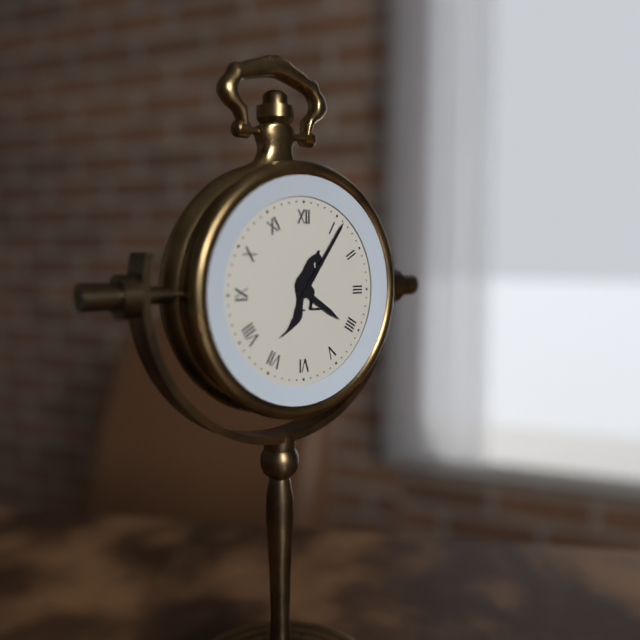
4:06
